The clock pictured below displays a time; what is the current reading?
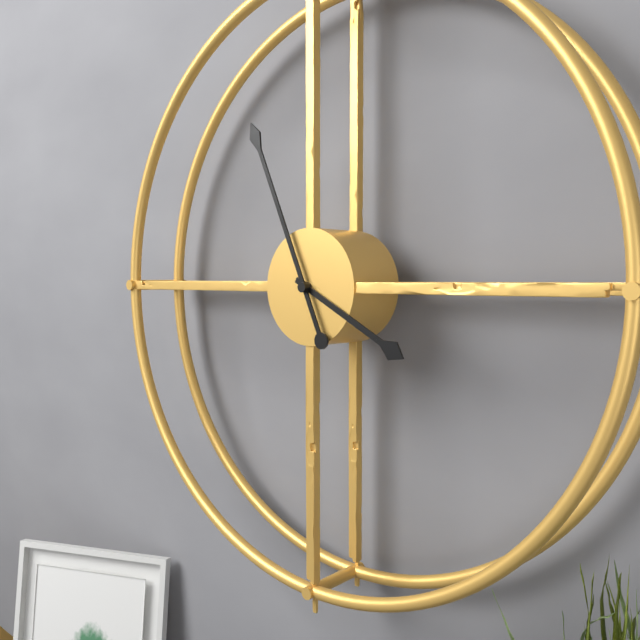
3:56
